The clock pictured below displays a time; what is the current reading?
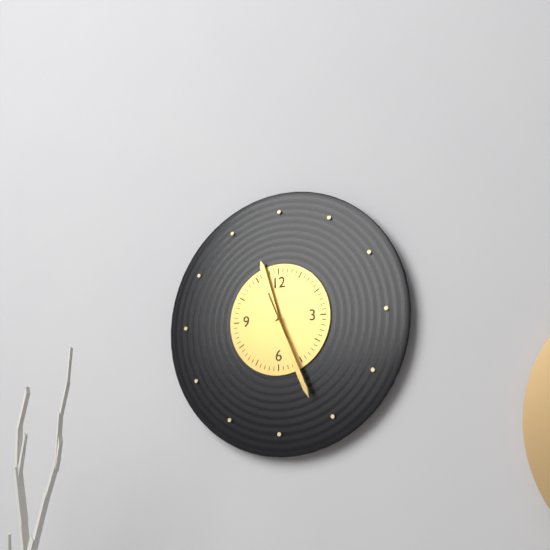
11:26
